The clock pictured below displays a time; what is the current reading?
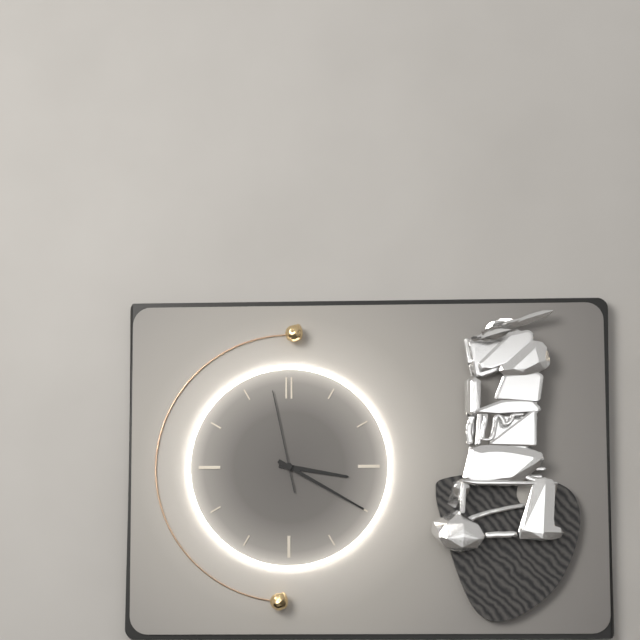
3:20:58
